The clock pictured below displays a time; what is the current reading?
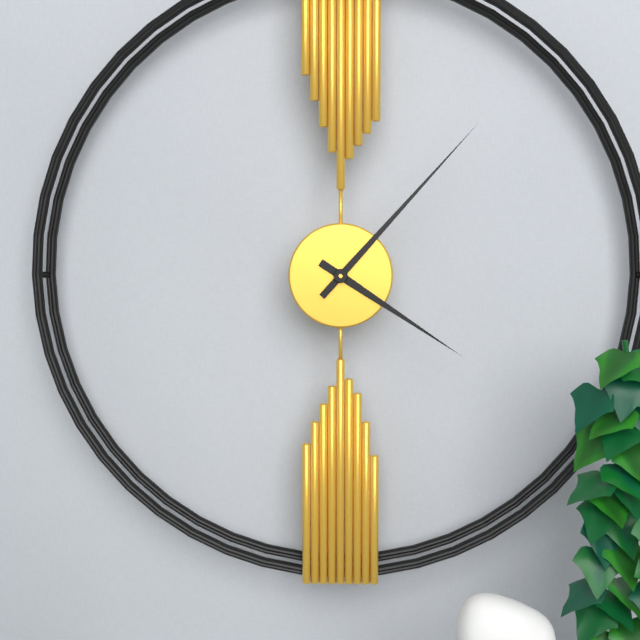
4:07
